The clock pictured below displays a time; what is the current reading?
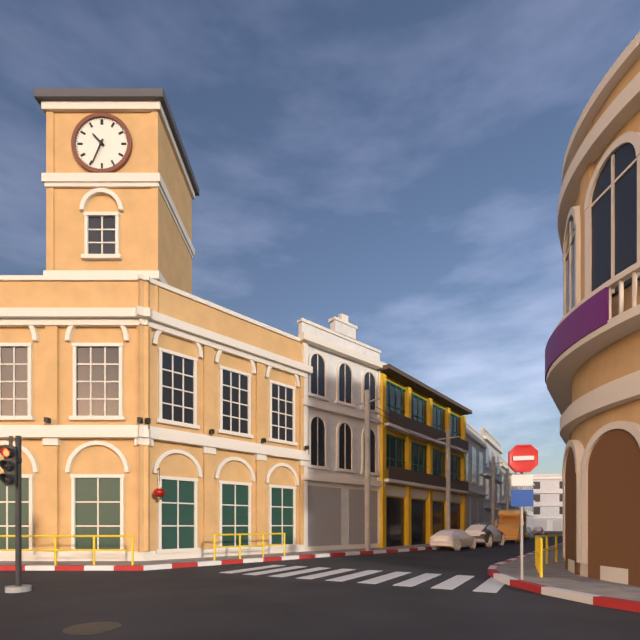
10:34
